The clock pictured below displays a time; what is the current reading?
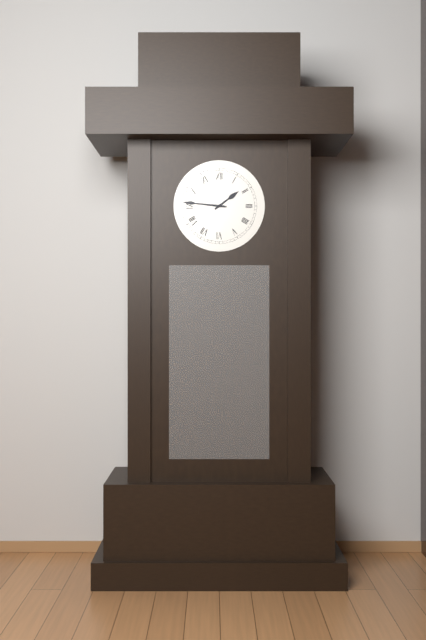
1:46
